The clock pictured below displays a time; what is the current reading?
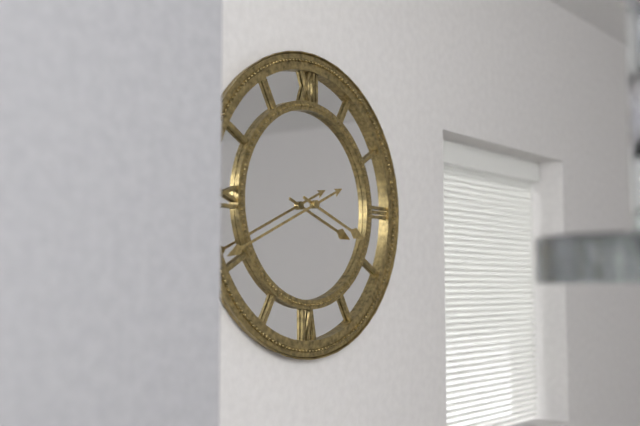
3:41
